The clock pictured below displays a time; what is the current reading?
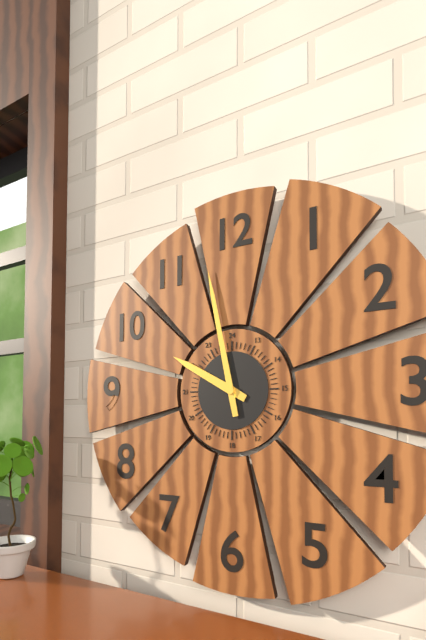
9:58
